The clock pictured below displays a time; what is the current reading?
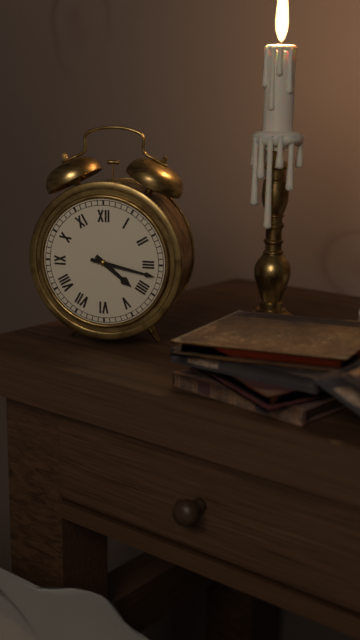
4:17
